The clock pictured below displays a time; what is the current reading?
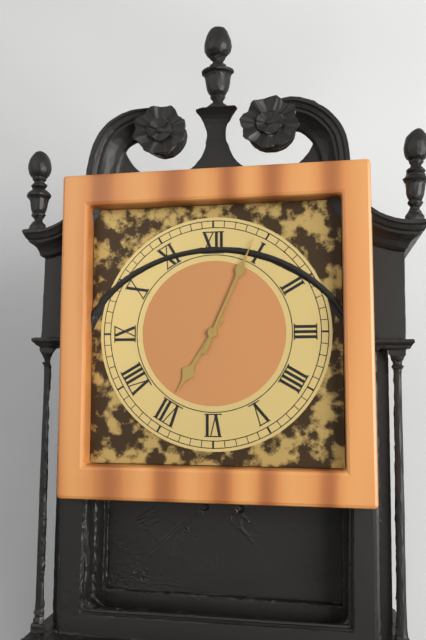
7:04
